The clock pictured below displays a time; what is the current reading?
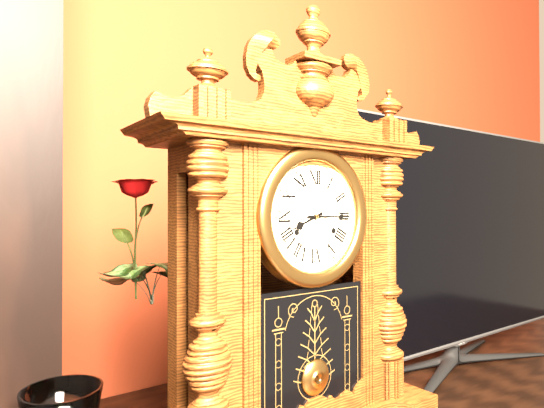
8:15
